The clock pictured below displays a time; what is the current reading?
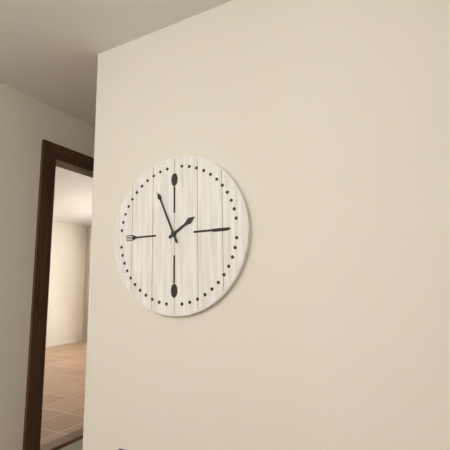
1:56
